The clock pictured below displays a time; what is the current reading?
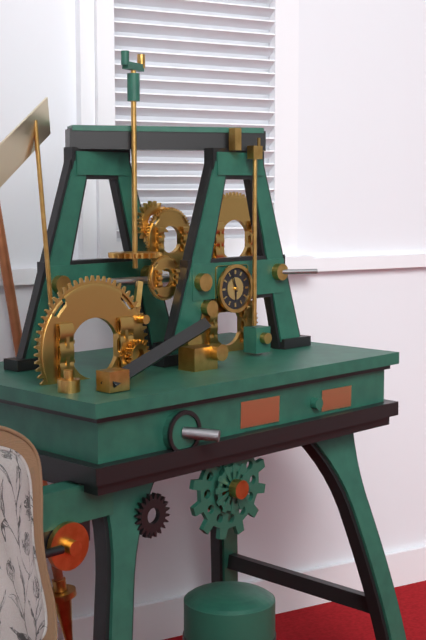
5:57
